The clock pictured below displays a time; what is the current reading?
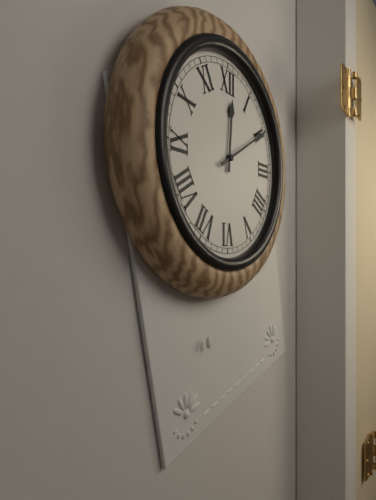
12:10
